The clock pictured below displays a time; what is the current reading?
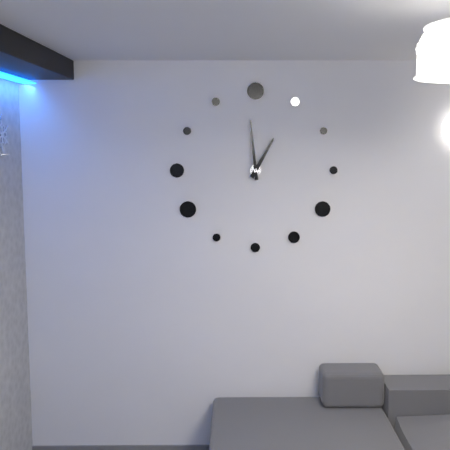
12:59
